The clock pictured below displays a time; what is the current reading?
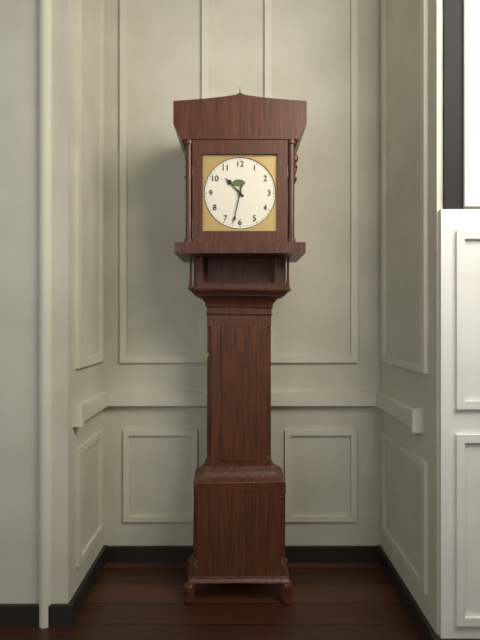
10:32
